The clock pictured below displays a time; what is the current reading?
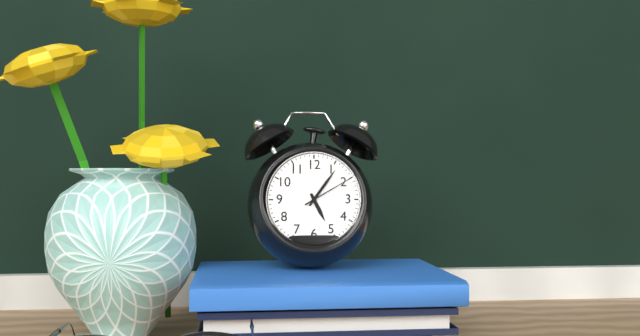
5:06:10
